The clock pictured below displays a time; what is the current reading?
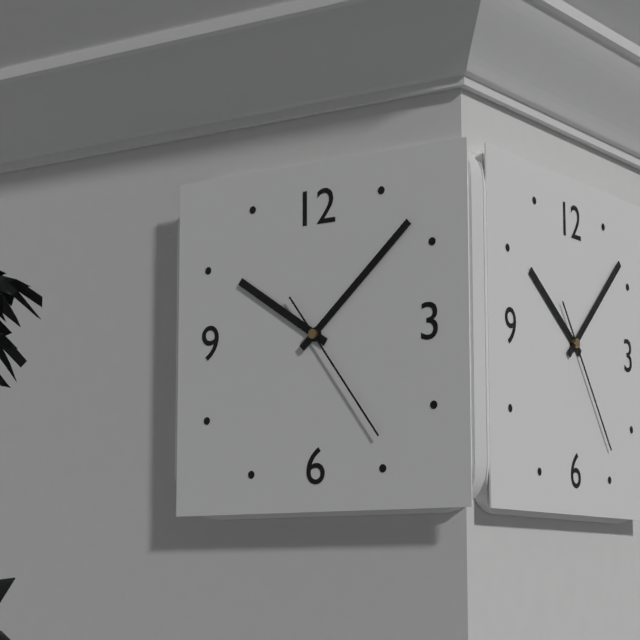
10:08:24
